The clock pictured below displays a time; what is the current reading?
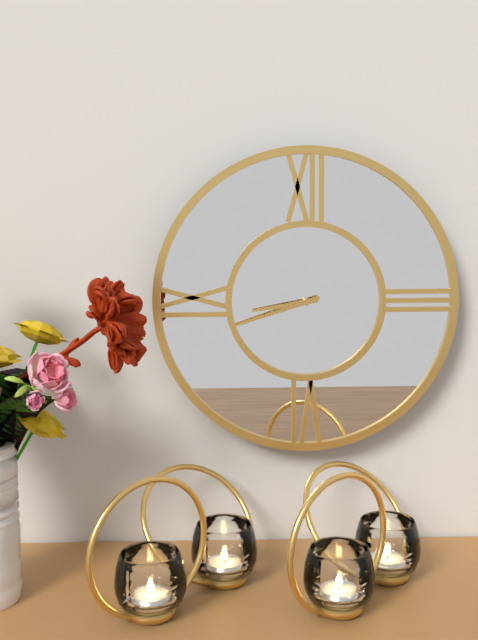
8:42
